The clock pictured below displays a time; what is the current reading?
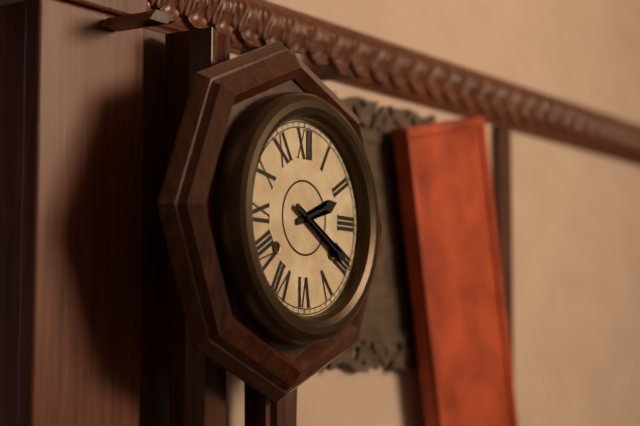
2:20
